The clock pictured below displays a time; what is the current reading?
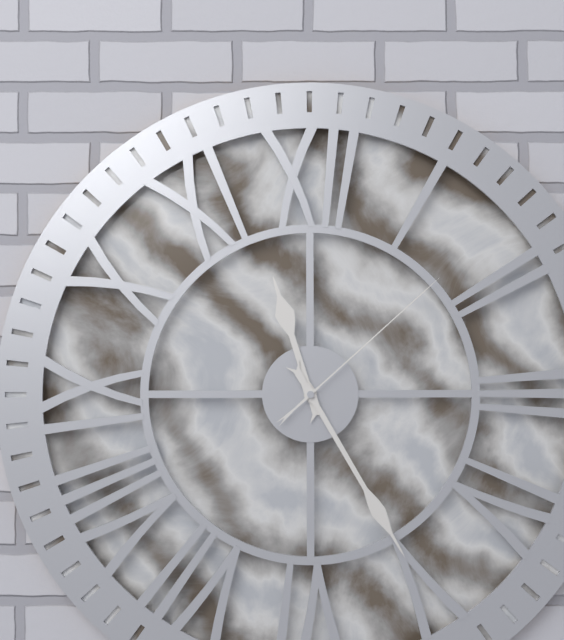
11:25:08
